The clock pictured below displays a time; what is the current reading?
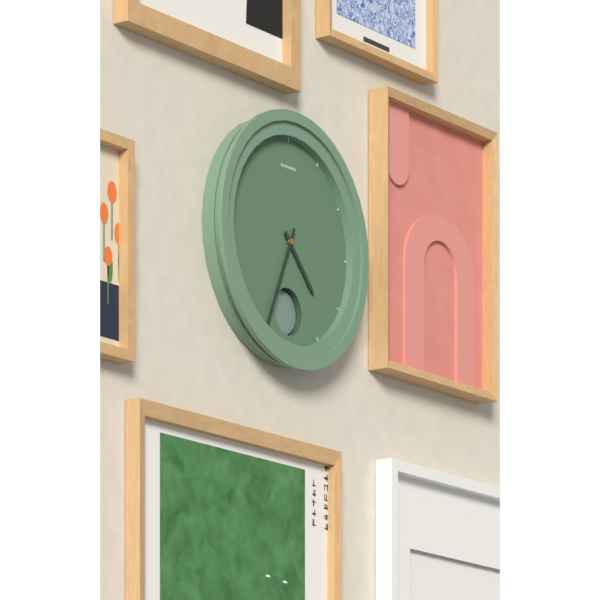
4:34
